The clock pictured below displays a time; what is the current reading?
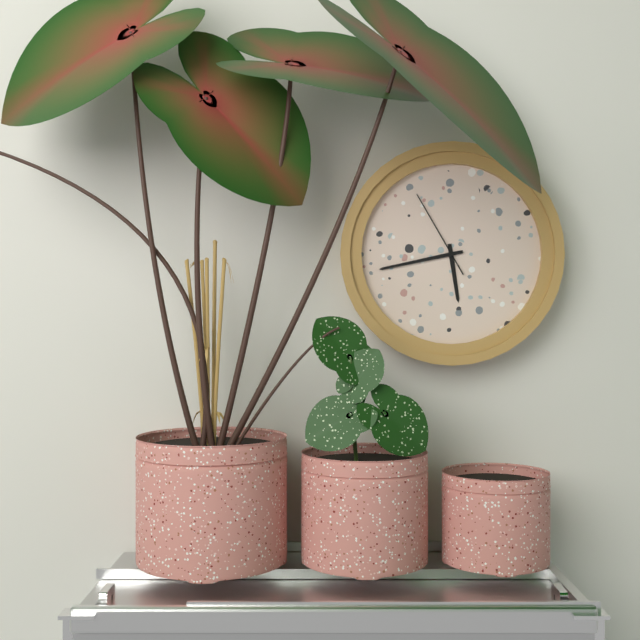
5:43:55
